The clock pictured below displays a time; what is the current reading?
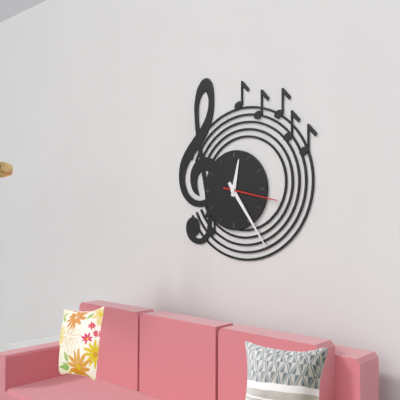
12:24:17
